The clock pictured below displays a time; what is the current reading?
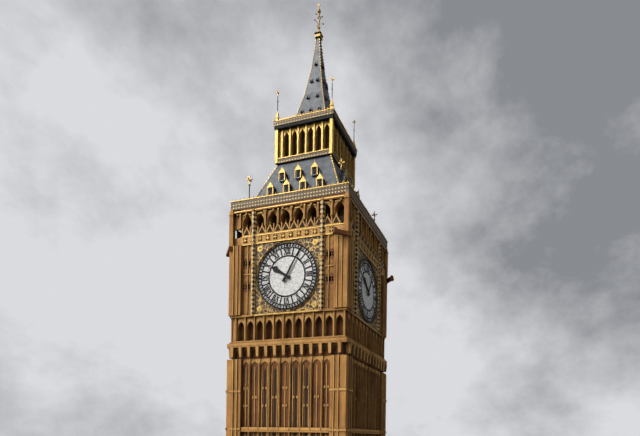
10:05
